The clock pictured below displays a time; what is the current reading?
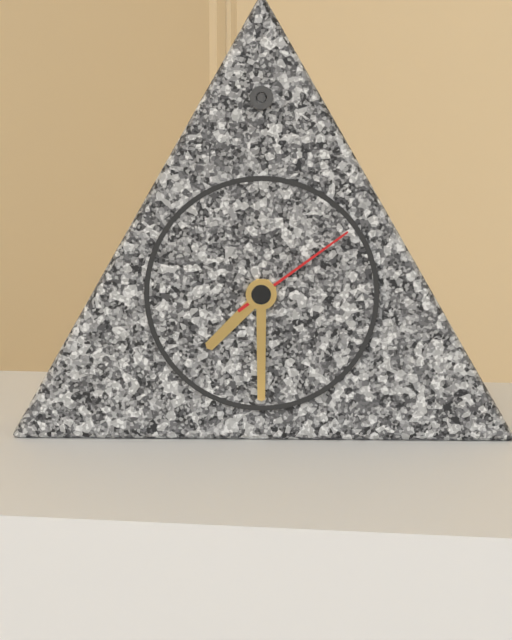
7:30:09
